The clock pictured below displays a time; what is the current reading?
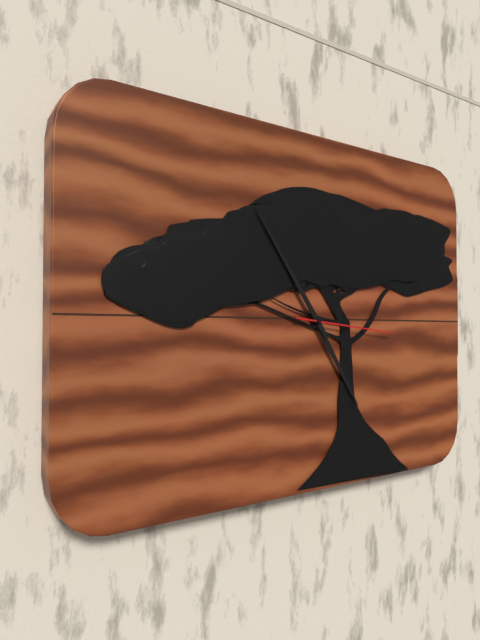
4:54:16
